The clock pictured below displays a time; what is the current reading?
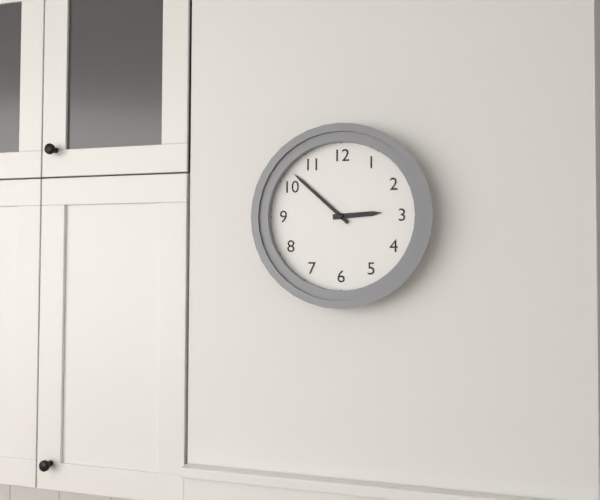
2:52
